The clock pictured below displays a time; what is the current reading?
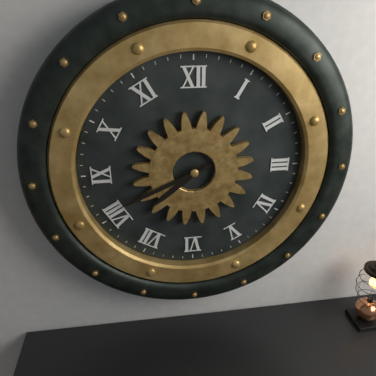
7:41
